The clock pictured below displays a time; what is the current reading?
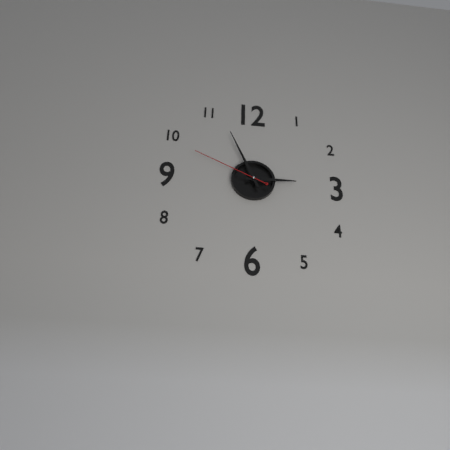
2:56:49
